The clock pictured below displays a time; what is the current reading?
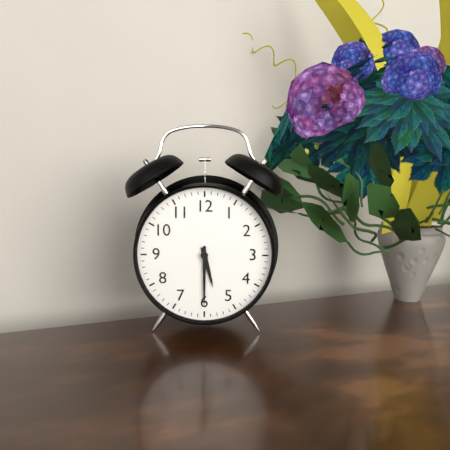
5:30
